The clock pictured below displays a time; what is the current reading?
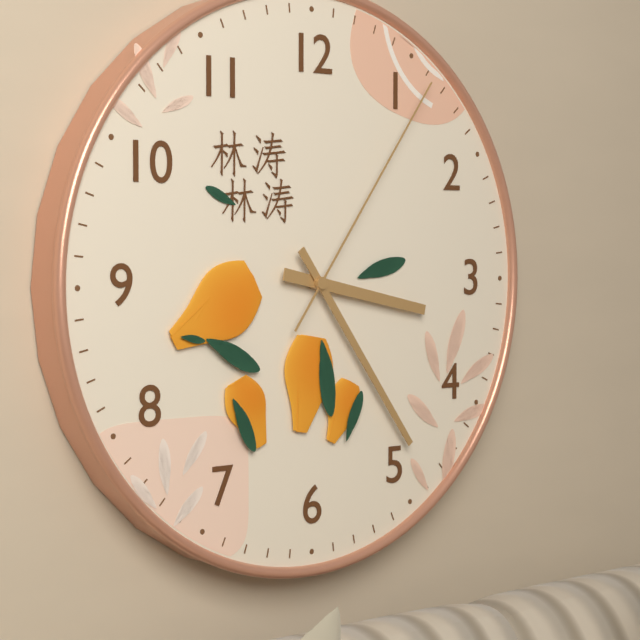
3:24:06
